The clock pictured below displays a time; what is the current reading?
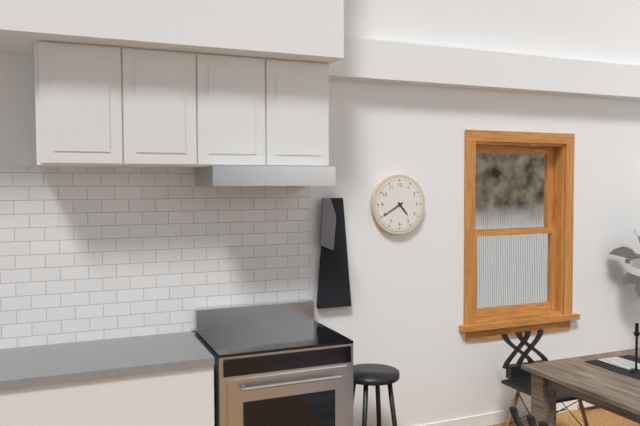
4:40
